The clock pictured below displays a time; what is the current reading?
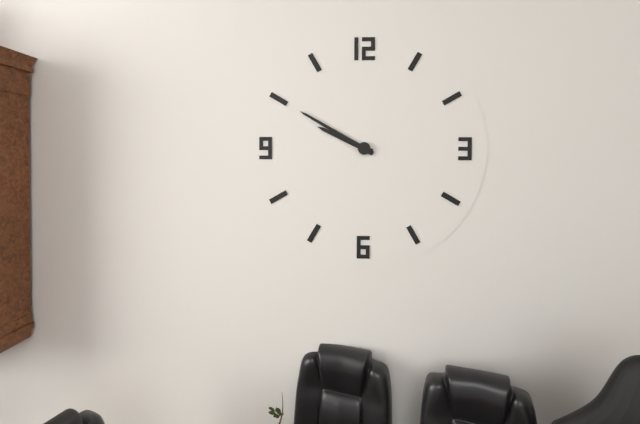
9:50
